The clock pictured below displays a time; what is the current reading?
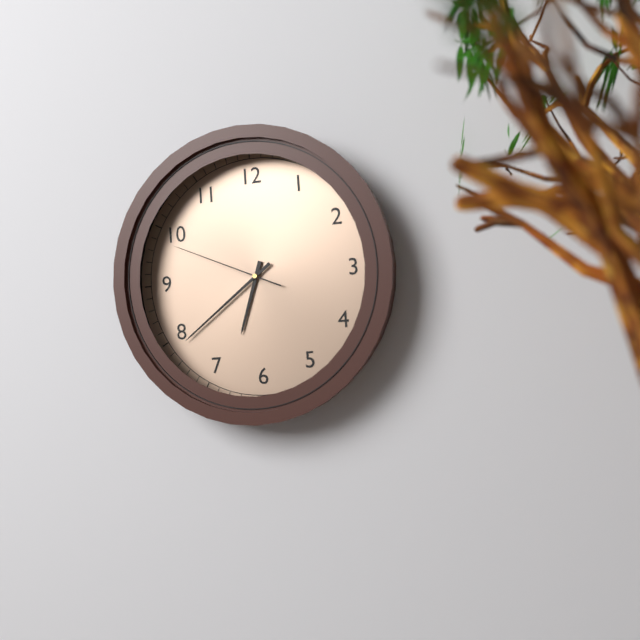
6:39:49
